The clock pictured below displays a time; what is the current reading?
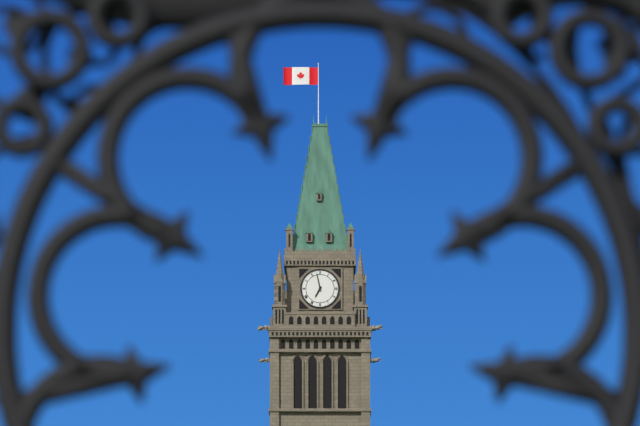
6:58
